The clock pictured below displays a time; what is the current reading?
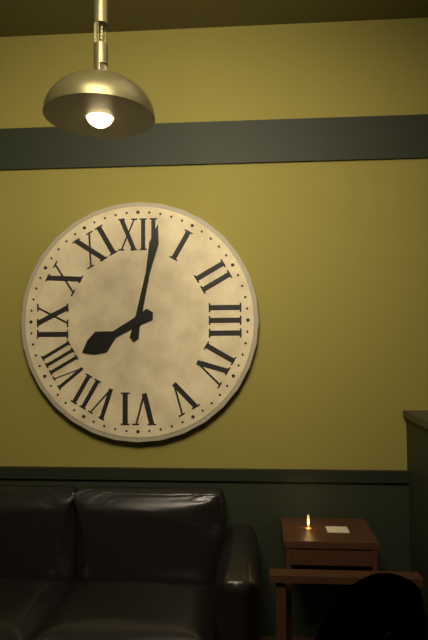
8:02
